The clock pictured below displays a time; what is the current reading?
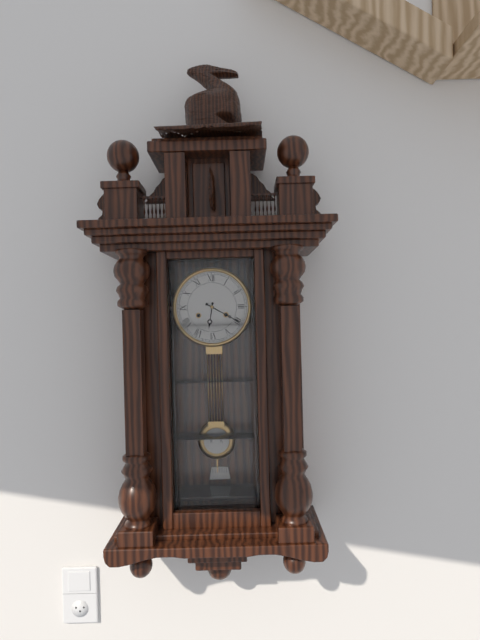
6:20
